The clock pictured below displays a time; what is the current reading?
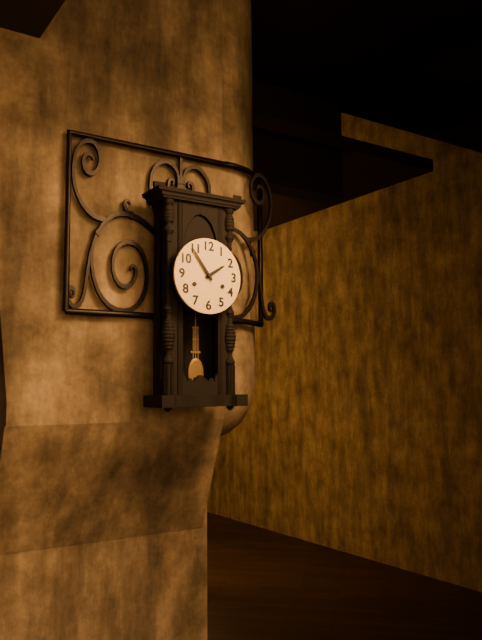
1:54
